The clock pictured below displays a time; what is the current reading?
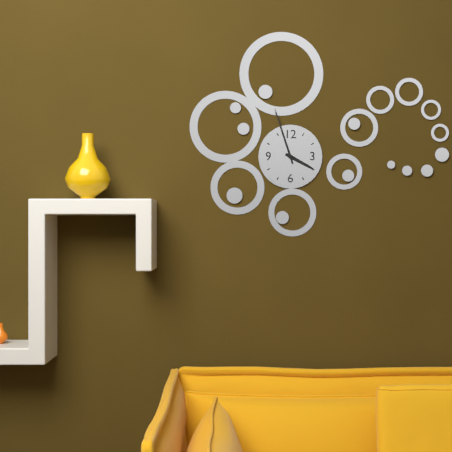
3:57
